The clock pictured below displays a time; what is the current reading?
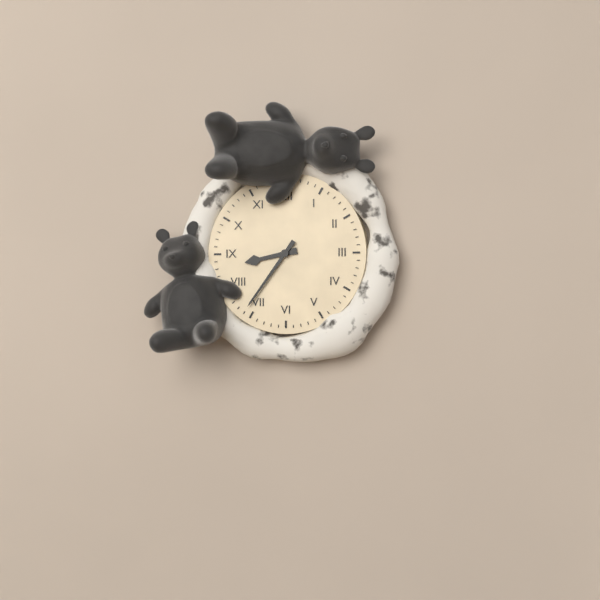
8:36
